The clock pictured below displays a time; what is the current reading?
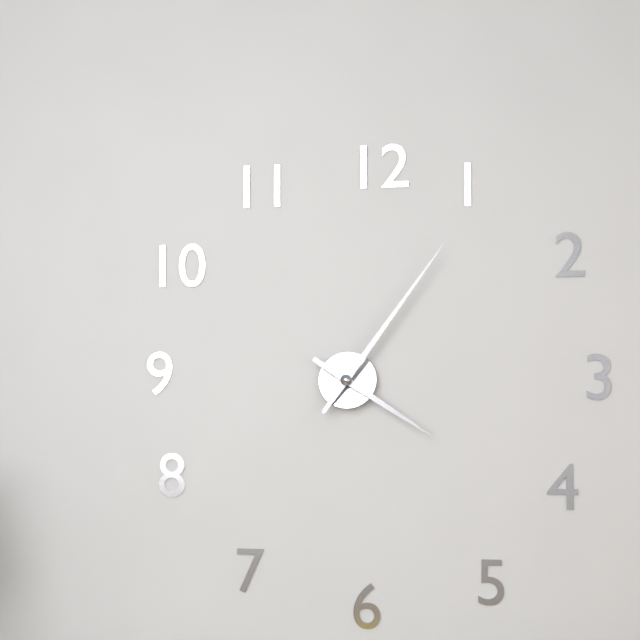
4:06
